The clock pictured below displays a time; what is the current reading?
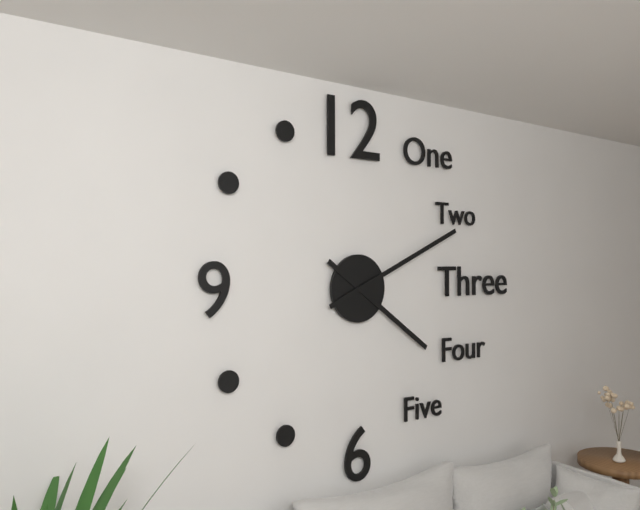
4:11
